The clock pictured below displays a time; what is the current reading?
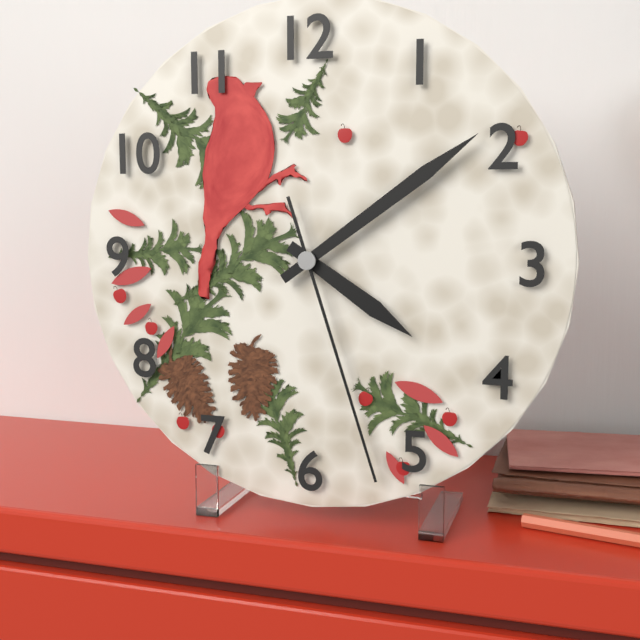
4:09:27
